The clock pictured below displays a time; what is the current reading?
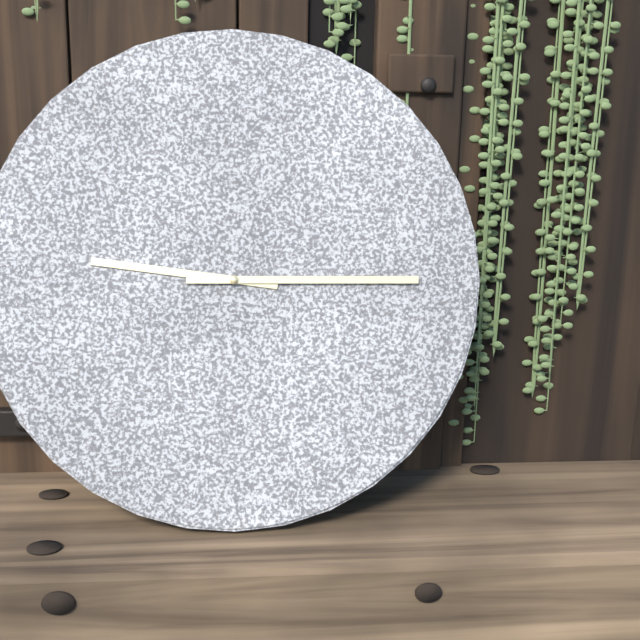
9:15
